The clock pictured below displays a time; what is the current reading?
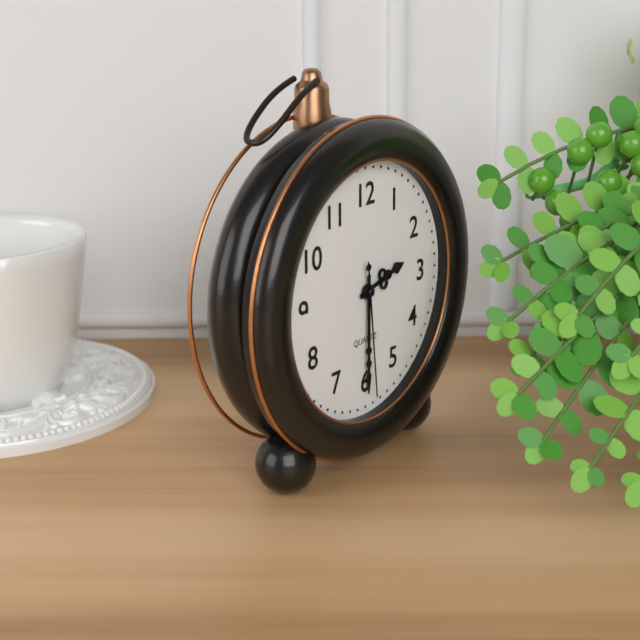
2:30:29
